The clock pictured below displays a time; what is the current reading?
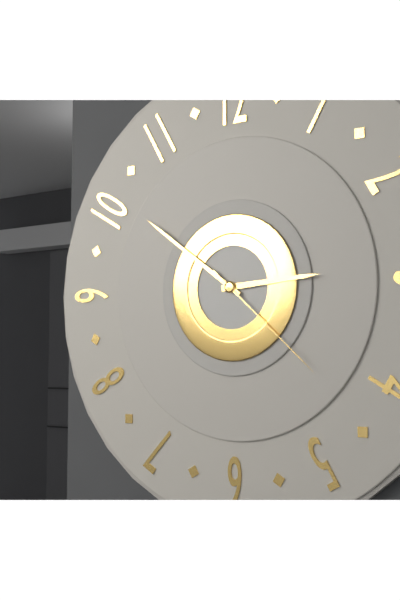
2:51:22
